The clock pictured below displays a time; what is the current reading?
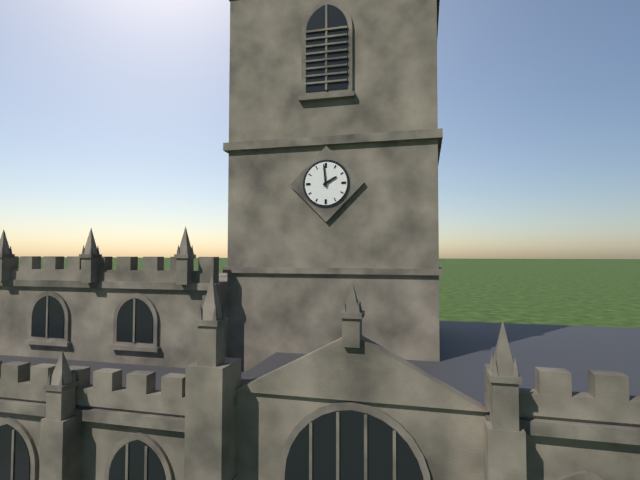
1:59
